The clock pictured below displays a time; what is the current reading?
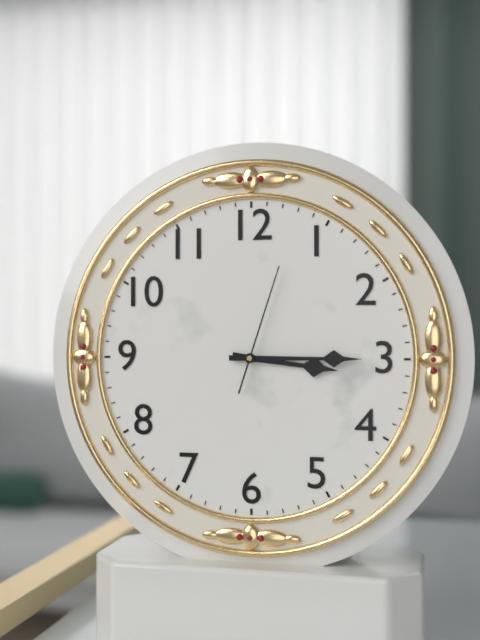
3:15:03
